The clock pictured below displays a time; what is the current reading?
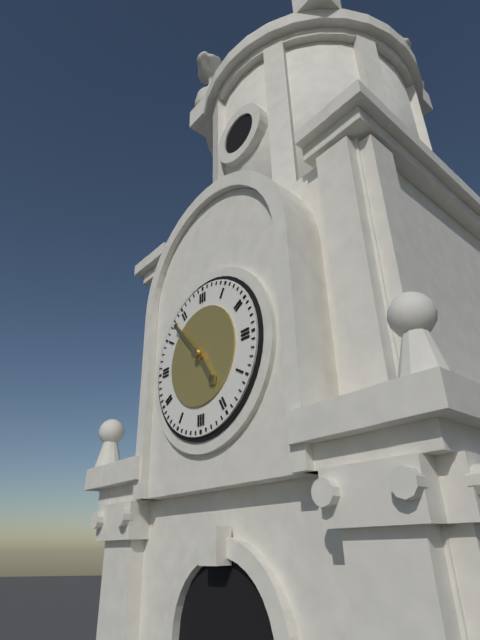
4:53
